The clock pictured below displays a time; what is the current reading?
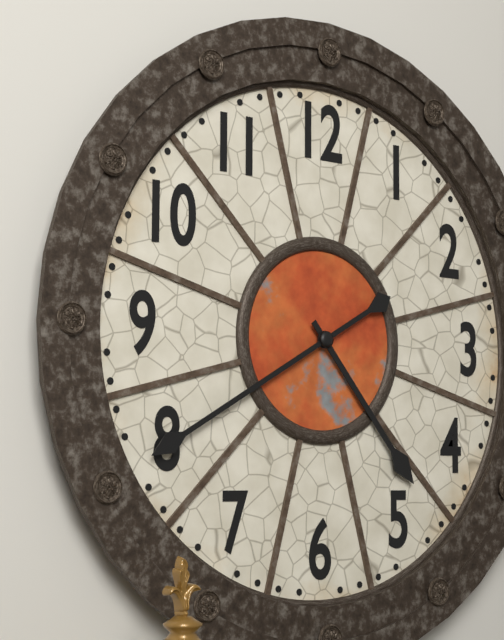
4:40
